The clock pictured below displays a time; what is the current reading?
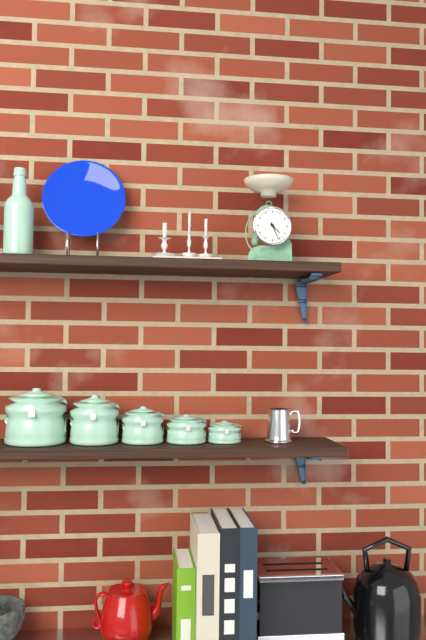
4:26
